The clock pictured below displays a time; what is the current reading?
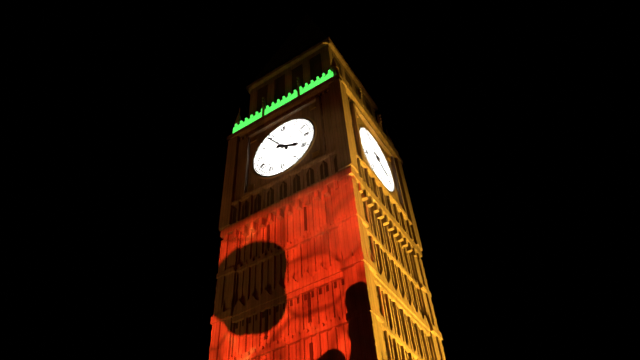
3:54
